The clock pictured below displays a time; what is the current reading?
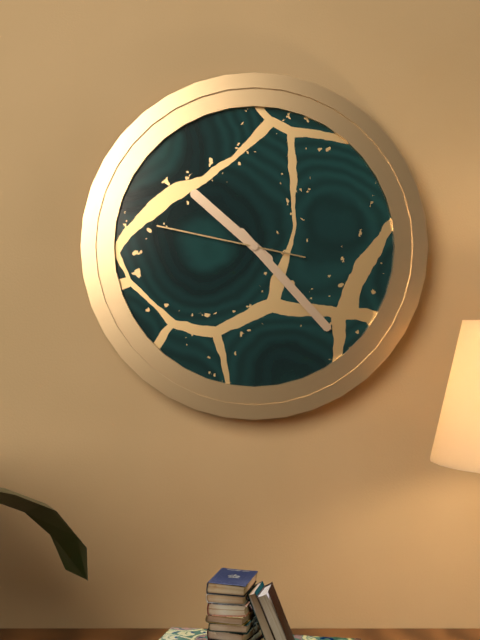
10:23:47
